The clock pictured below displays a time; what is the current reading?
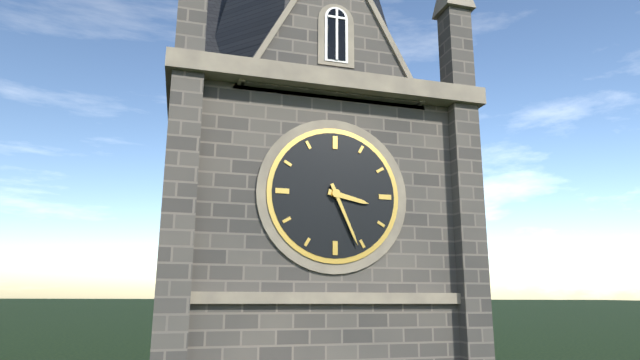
3:26
